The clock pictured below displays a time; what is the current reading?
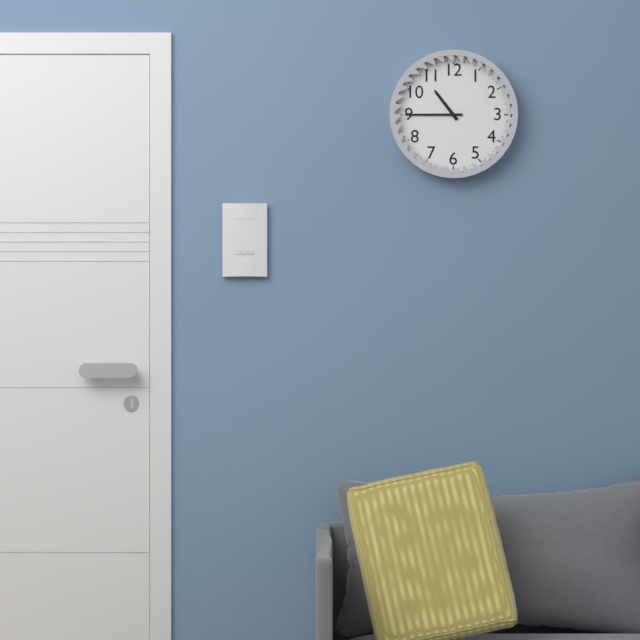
10:45
